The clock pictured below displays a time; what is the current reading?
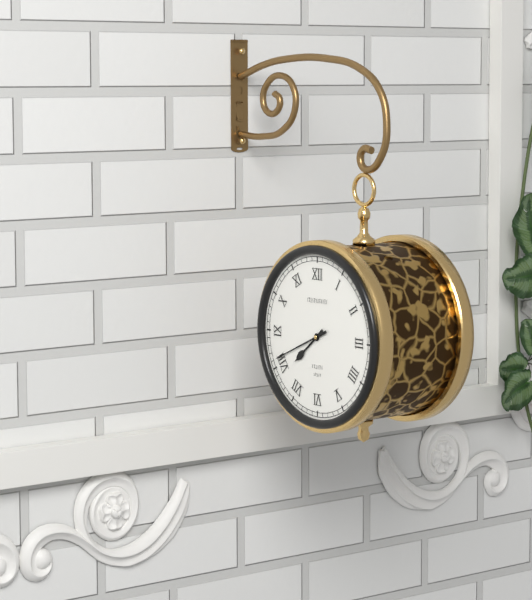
7:41
